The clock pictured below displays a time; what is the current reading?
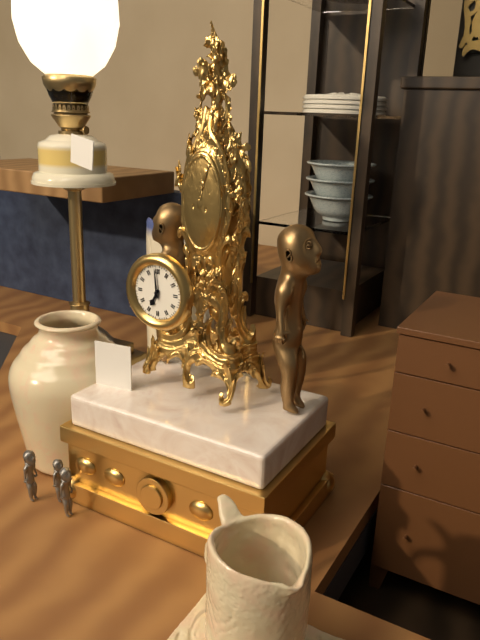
6:59
